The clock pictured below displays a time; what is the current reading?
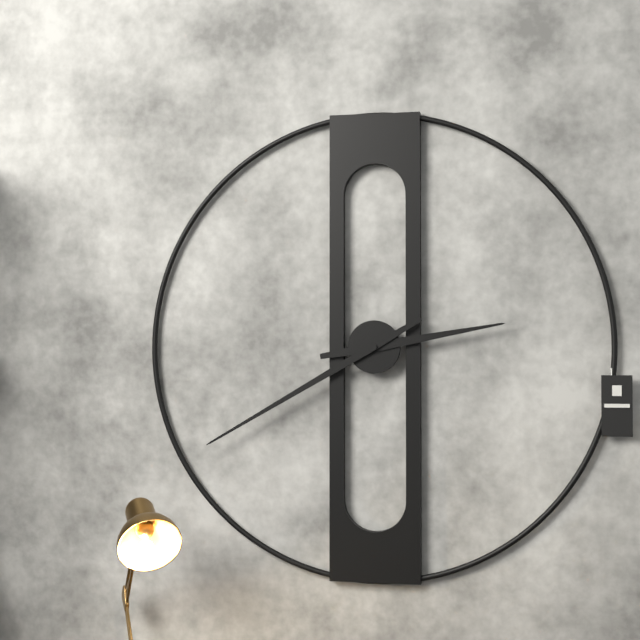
2:40
